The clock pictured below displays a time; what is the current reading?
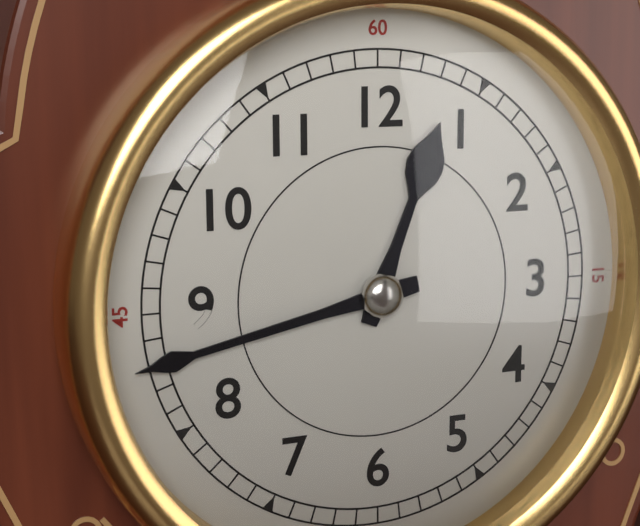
12:43
